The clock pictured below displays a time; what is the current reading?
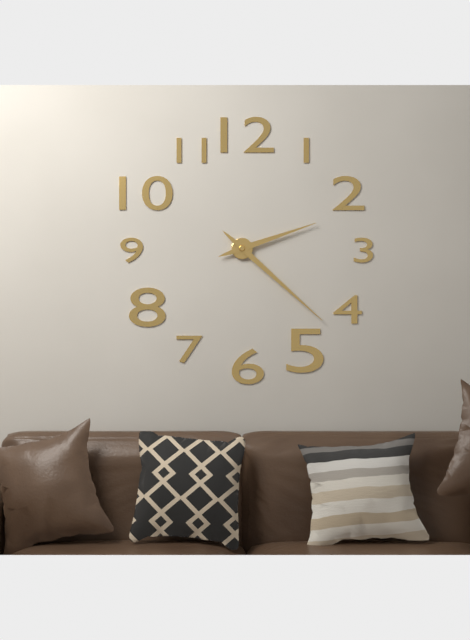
2:22
